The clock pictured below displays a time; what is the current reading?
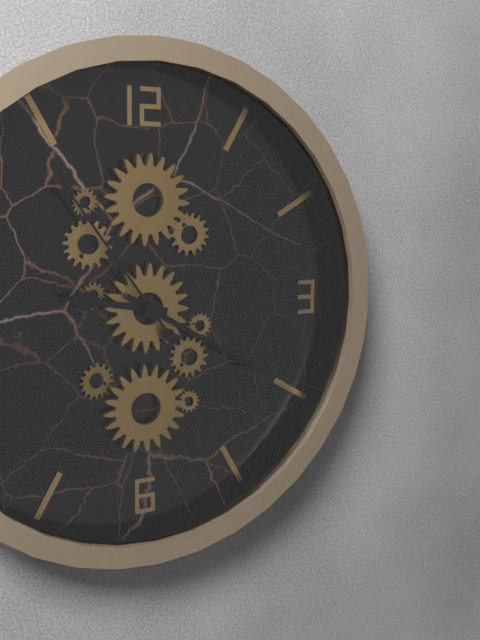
9:20:54
